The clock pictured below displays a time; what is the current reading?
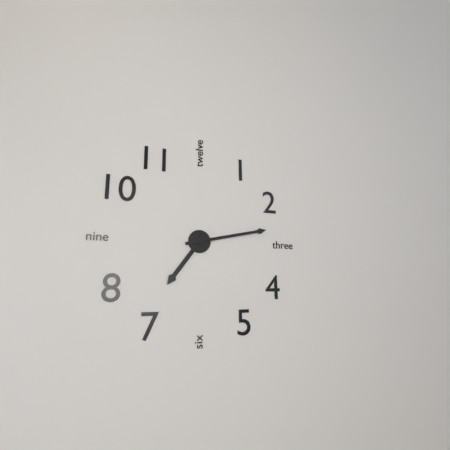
7:13
